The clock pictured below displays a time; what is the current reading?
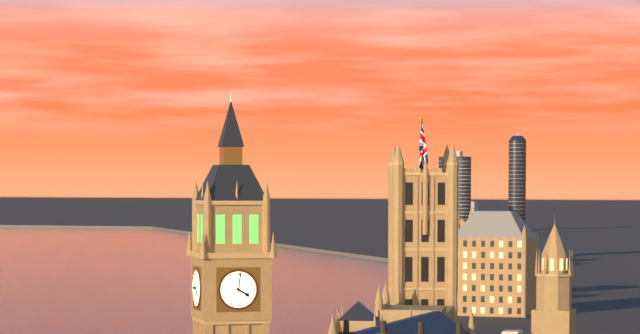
4:01
